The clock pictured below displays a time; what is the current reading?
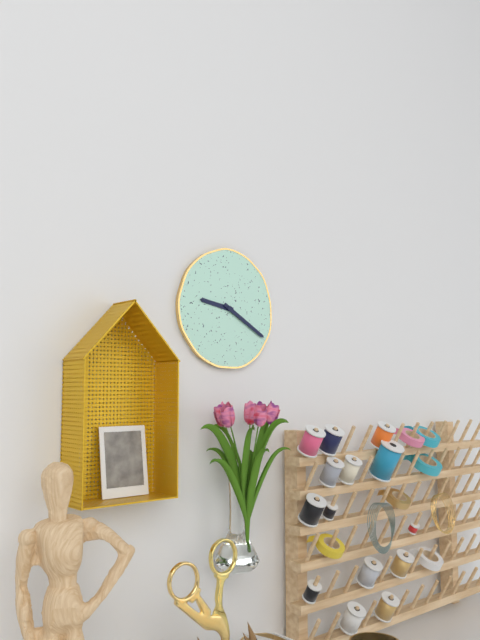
9:20
